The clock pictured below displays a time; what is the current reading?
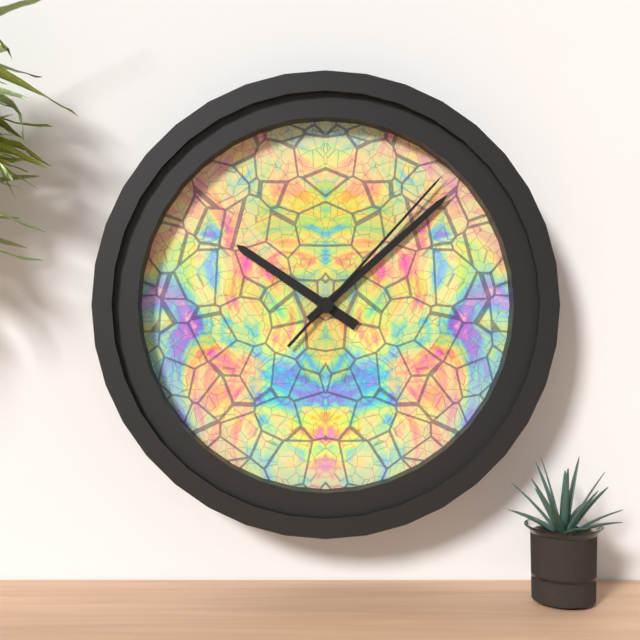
10:08:07
